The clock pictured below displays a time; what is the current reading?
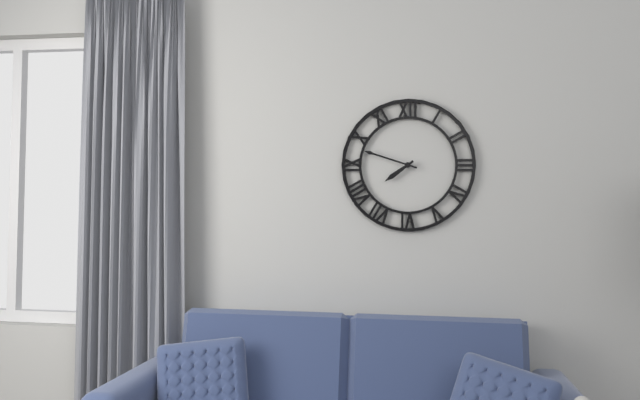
7:48
